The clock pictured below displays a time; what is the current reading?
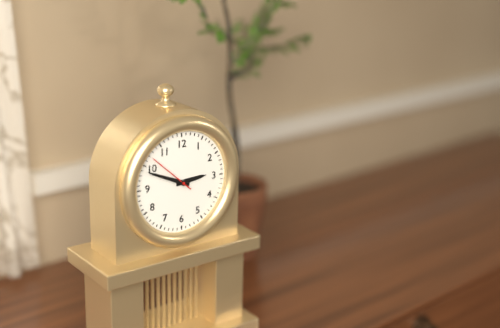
2:49
